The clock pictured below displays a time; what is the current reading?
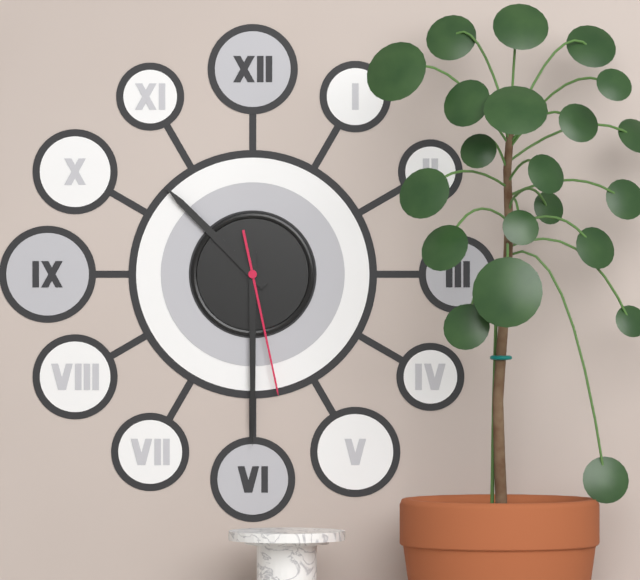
10:30:28
